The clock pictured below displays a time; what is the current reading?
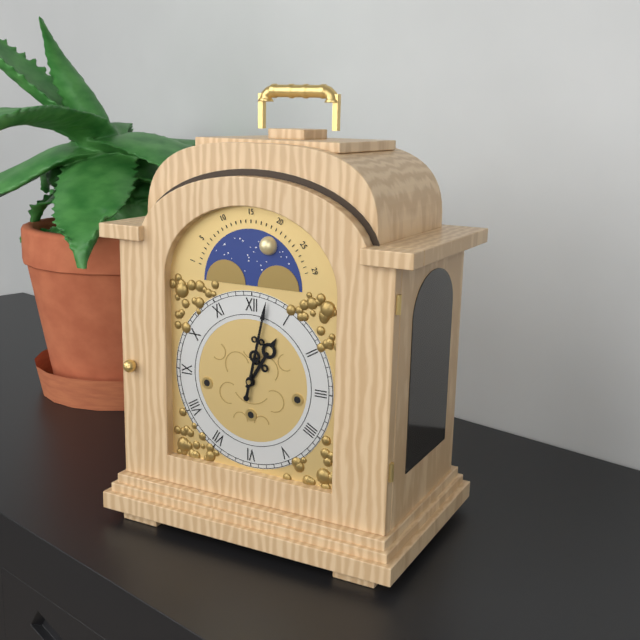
1:02
